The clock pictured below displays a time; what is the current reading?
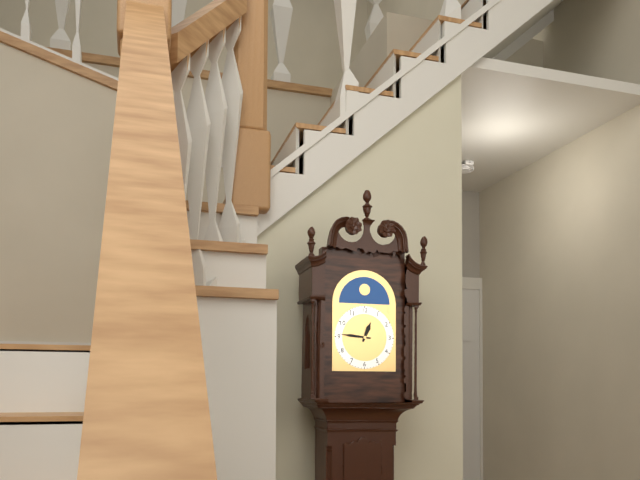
12:46
